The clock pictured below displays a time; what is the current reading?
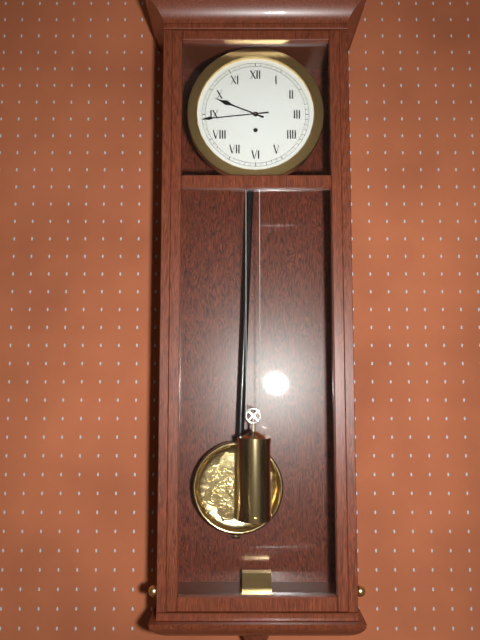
9:44
